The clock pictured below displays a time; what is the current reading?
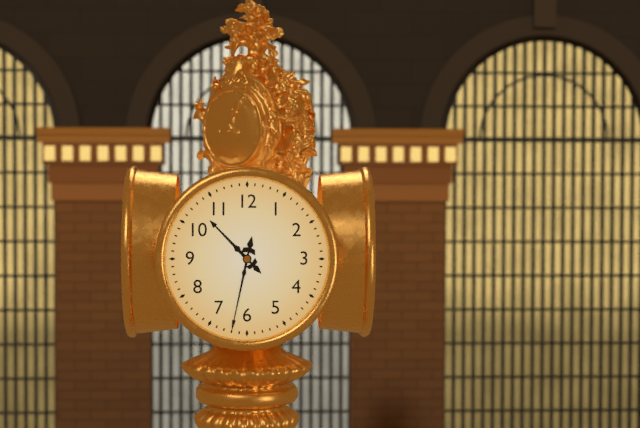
10:32
